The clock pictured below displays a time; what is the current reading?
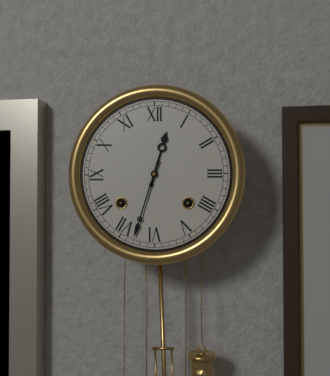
12:33
